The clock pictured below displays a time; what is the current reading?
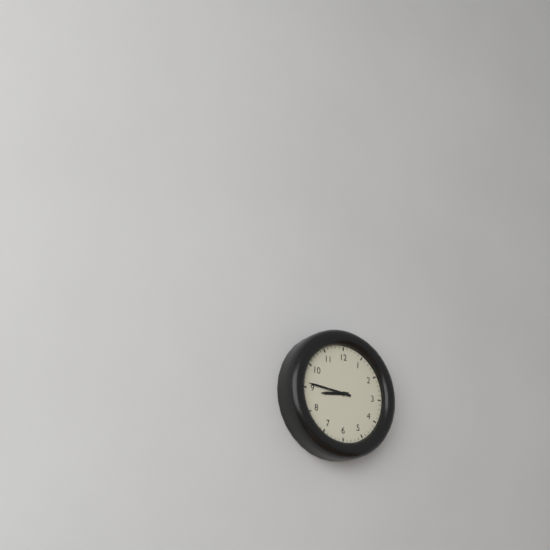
8:46
